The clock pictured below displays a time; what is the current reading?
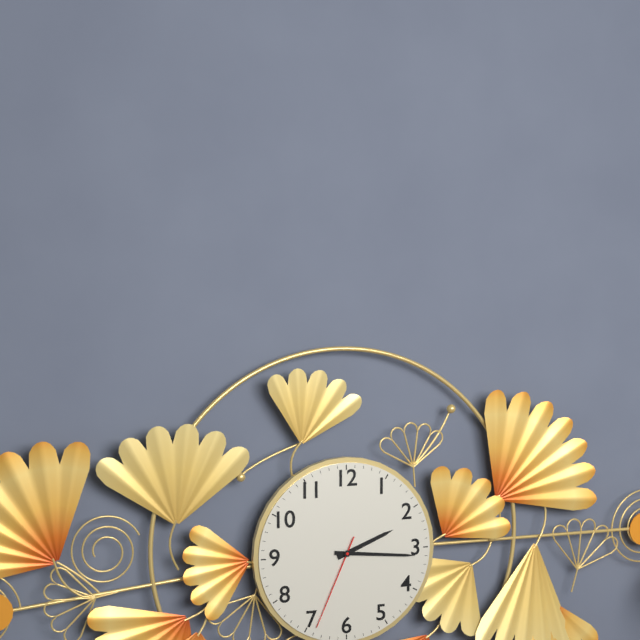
2:16:34
